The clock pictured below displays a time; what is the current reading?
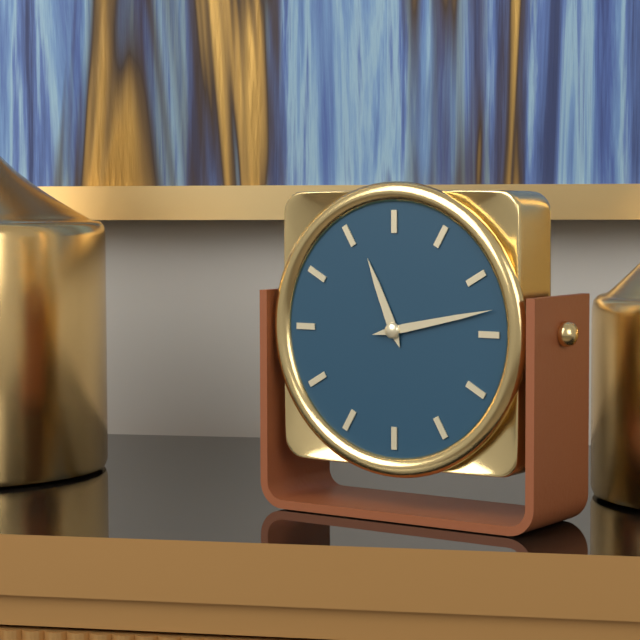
11:13
